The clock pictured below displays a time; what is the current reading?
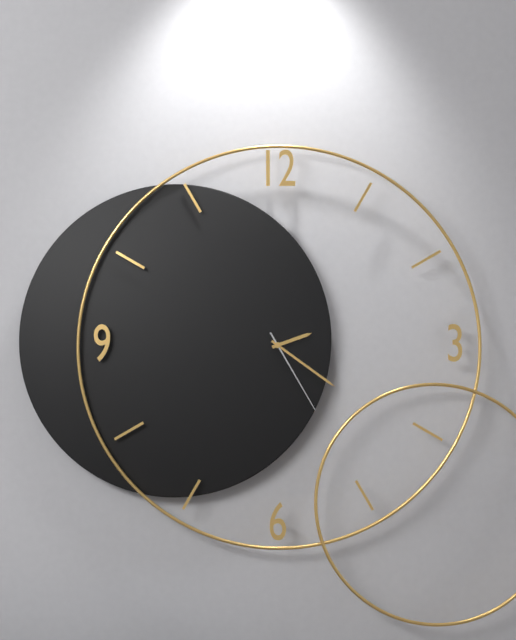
2:21:25
